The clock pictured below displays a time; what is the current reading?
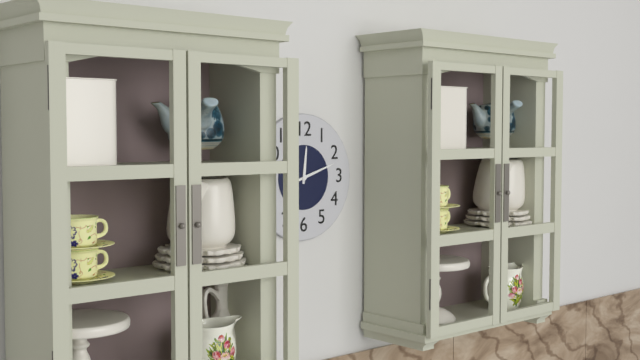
12:12
